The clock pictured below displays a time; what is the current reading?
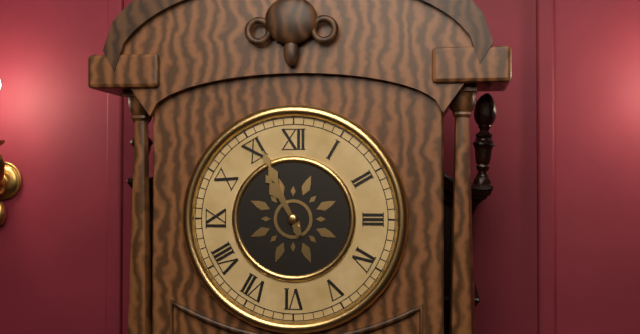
10:56
